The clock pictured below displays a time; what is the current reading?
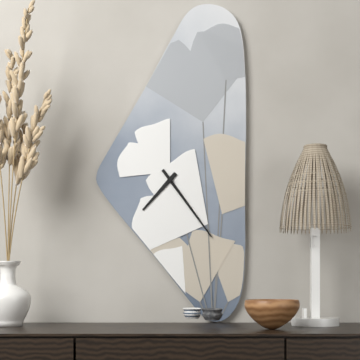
7:24
